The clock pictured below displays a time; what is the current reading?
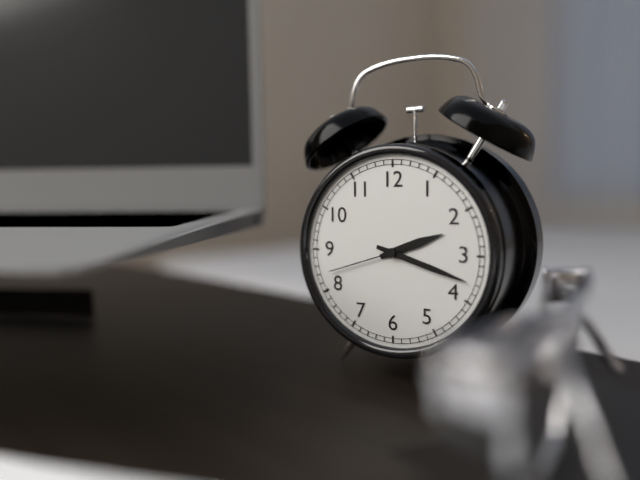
2:18:42
